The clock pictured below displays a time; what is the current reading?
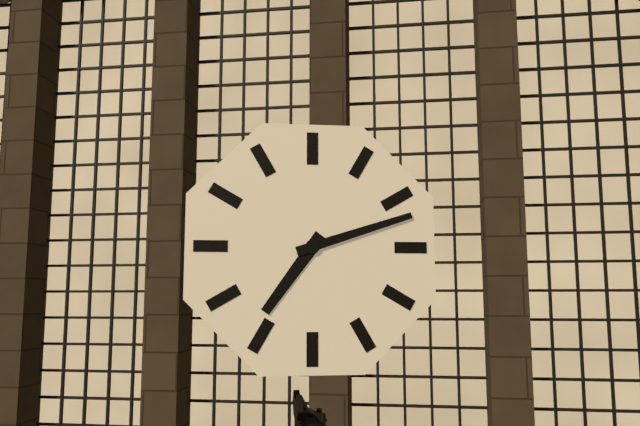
7:12
